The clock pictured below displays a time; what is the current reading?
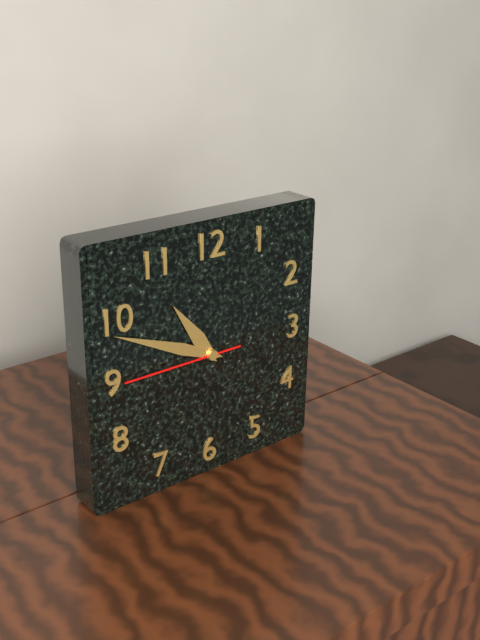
10:49:45
